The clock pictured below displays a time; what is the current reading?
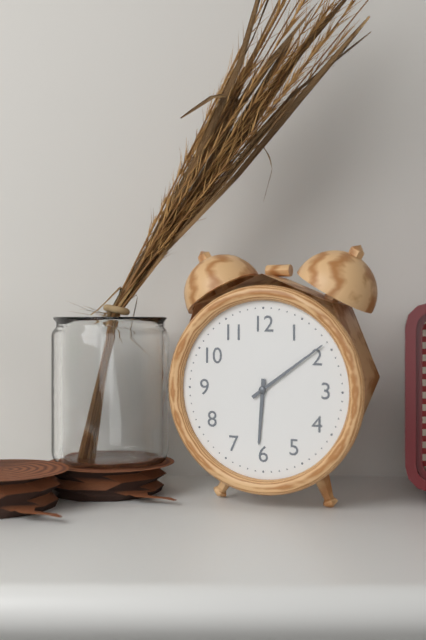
6:09
